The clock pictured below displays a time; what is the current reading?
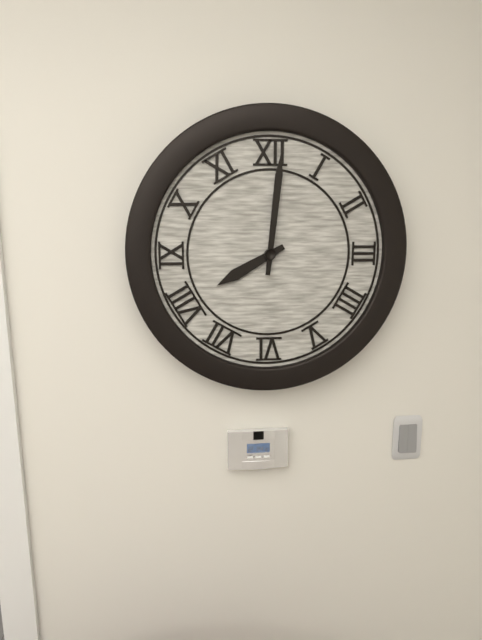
8:01
